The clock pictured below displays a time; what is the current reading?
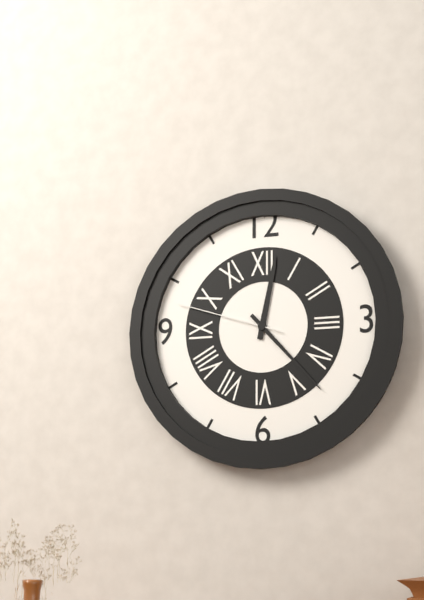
12:23:48
